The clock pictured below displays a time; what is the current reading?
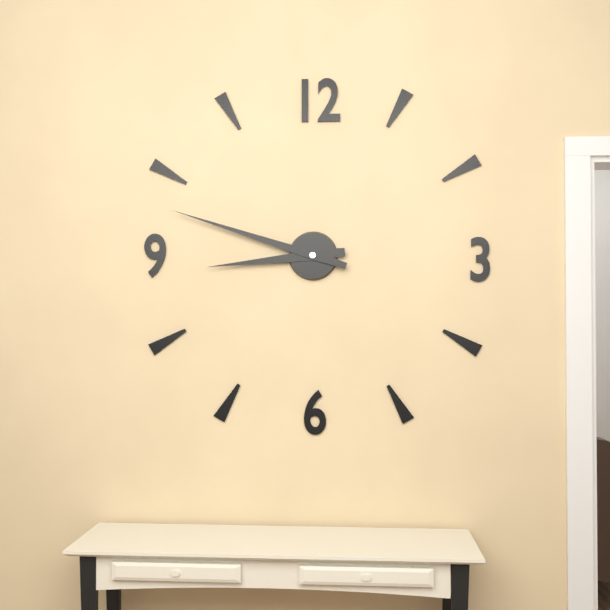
8:48
